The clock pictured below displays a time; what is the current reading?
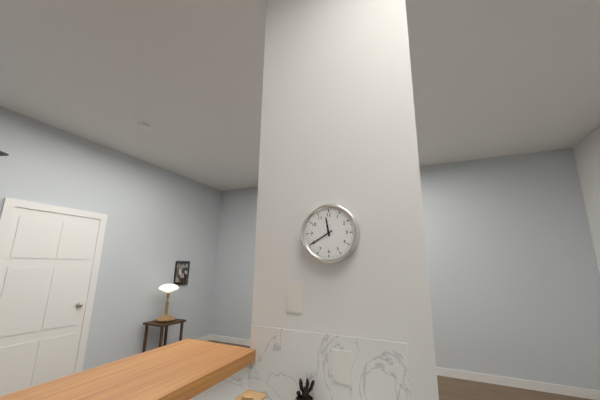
11:40
